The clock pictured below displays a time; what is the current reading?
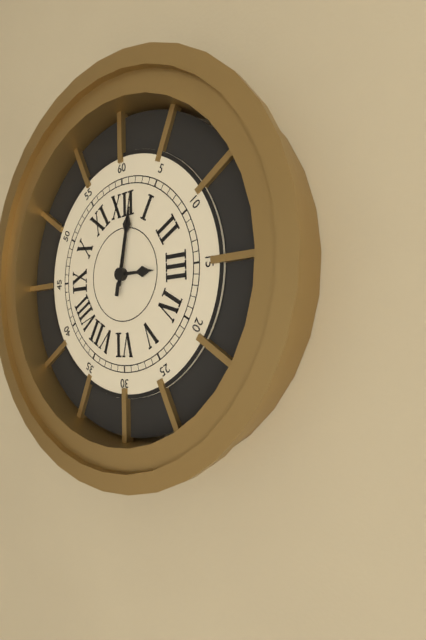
3:02:02
